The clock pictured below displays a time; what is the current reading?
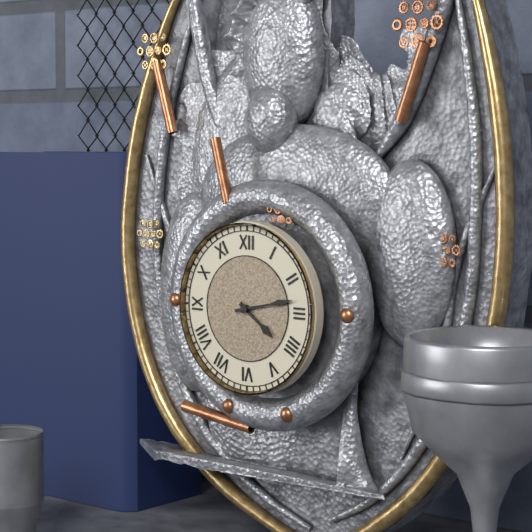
4:13
